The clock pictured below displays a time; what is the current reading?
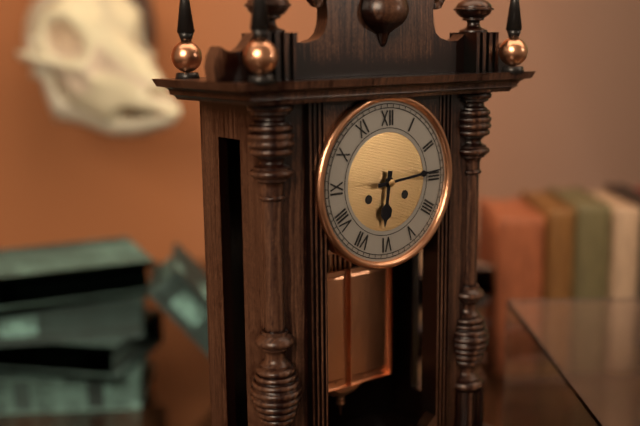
6:14
